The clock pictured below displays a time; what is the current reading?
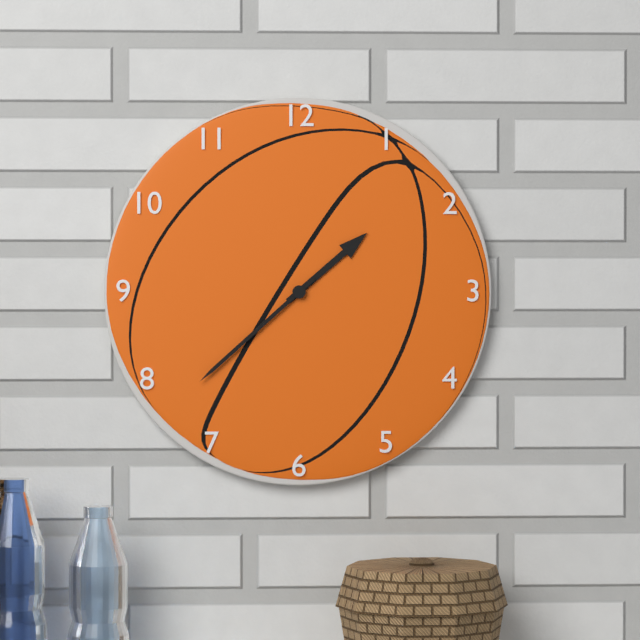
1:38
